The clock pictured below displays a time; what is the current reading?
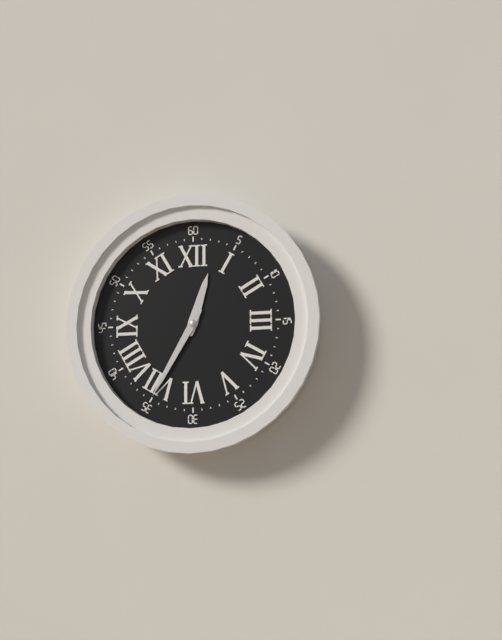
12:35
